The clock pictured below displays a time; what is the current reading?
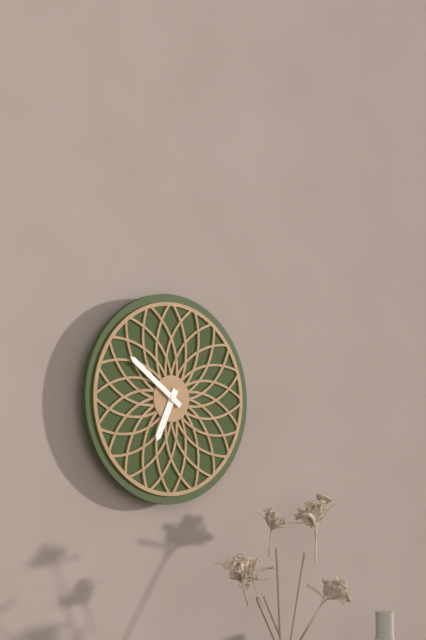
6:51
